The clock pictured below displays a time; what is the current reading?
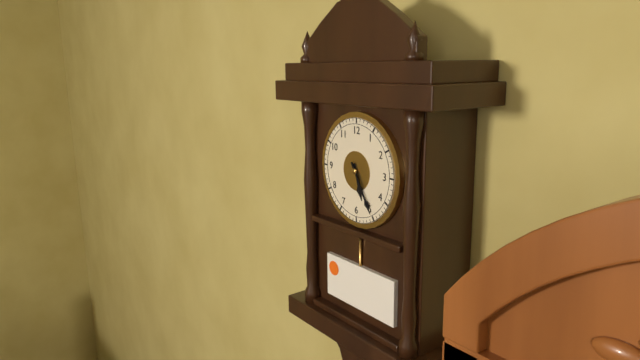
5:25
